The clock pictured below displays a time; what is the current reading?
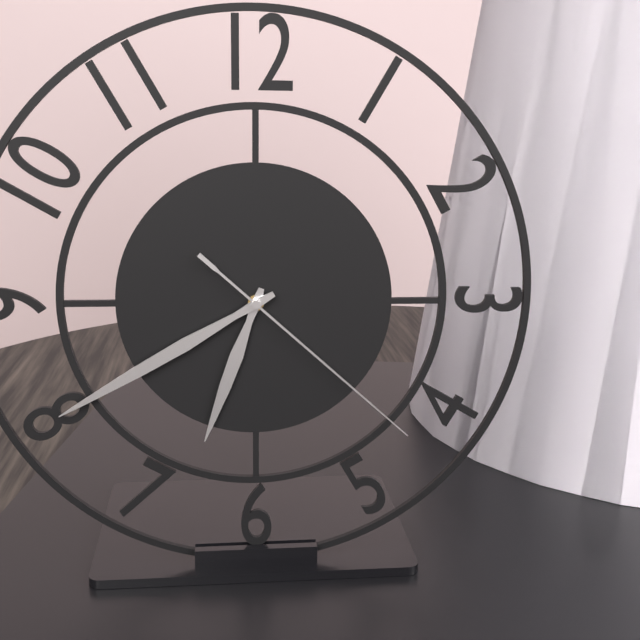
6:40:22
